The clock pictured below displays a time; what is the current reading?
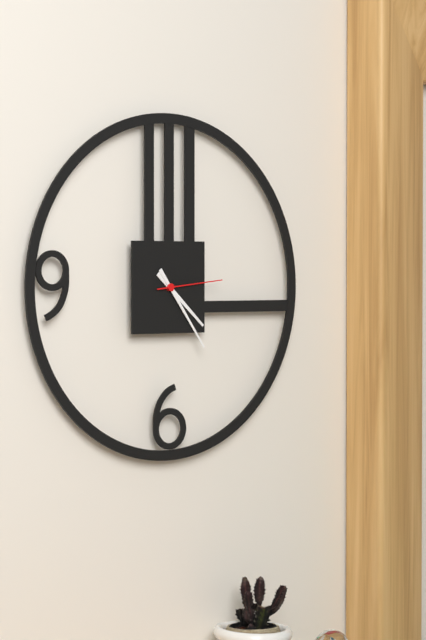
4:24:14
